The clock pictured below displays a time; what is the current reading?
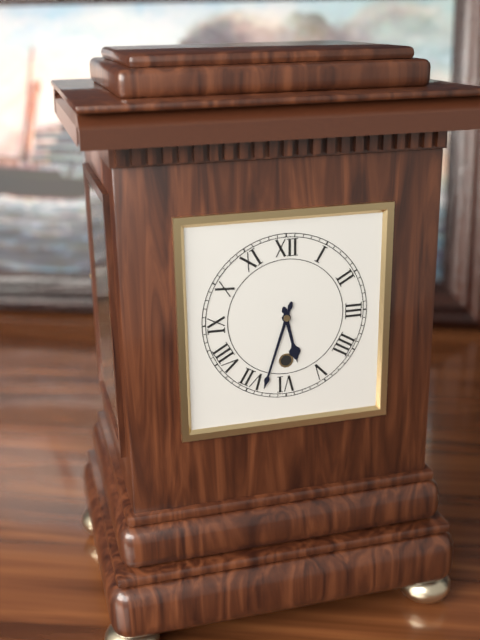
5:33
